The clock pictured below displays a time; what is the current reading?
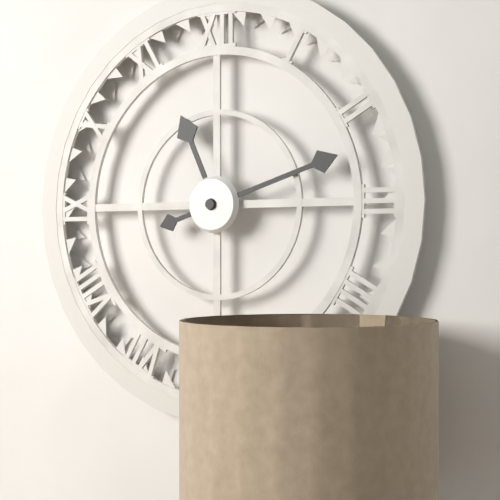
11:12
